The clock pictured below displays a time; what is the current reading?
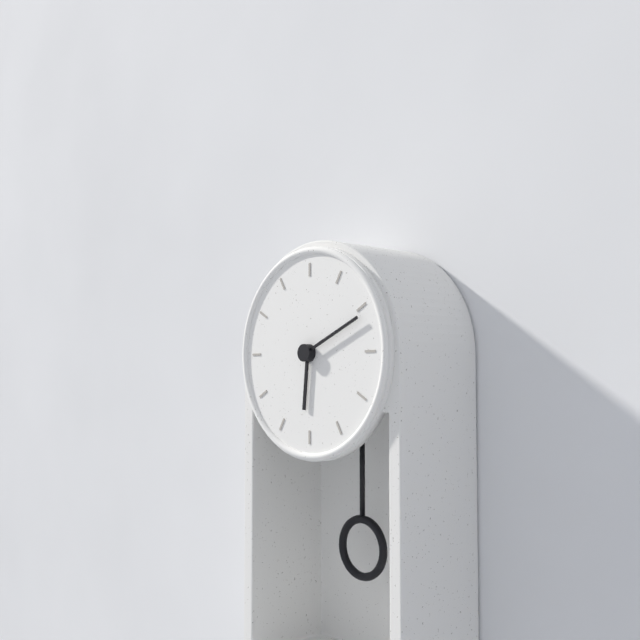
6:11
